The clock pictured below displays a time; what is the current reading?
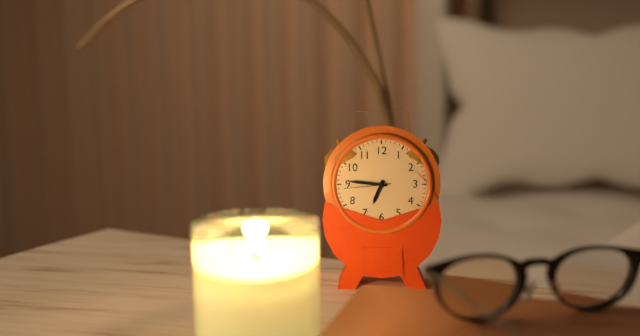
6:46
